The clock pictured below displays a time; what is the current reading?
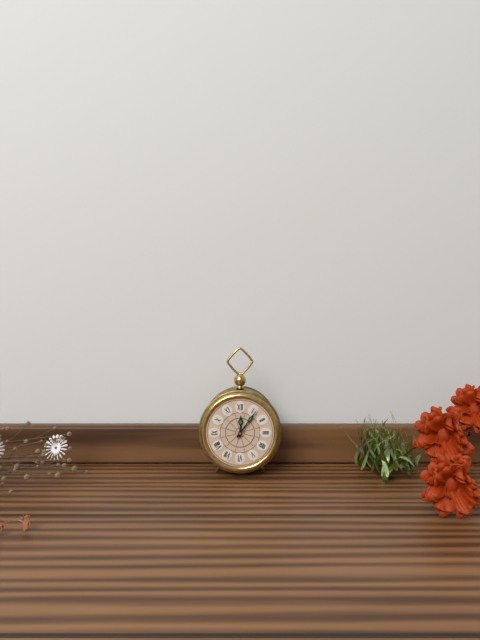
12:06
